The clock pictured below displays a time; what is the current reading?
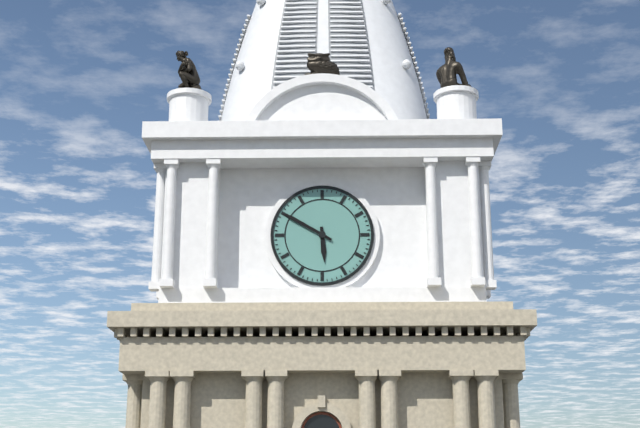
5:50
